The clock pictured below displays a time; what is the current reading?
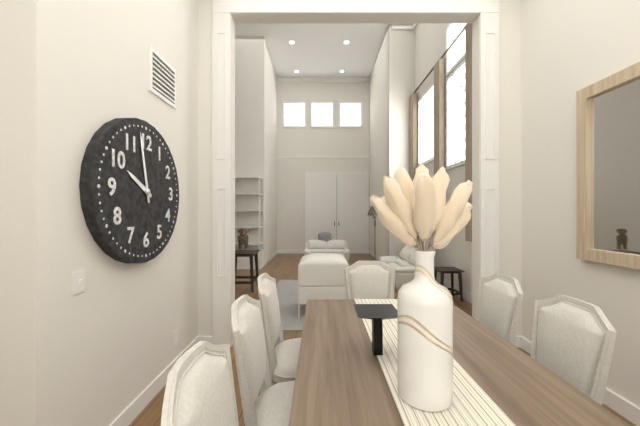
9:58
